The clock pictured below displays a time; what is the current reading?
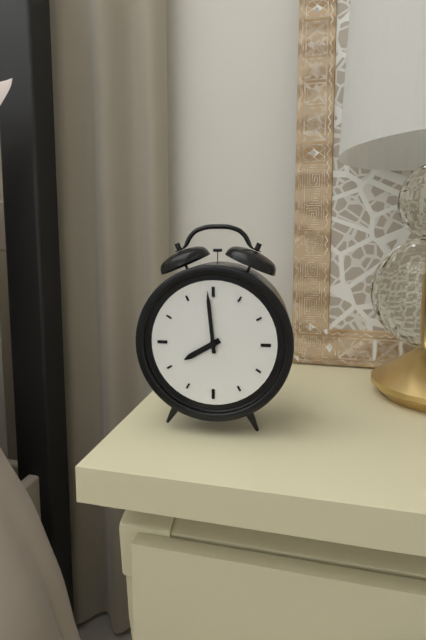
7:59
